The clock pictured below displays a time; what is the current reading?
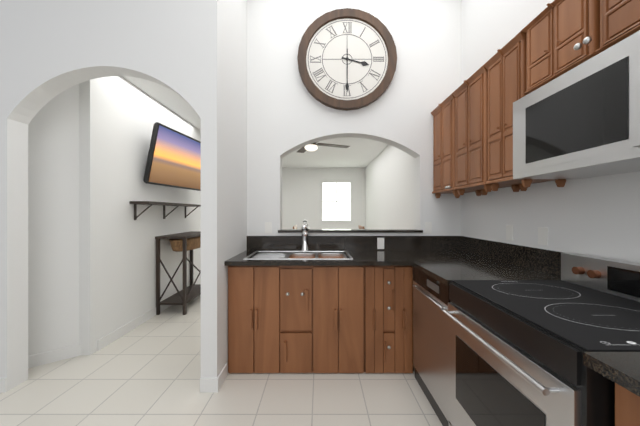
3:30
